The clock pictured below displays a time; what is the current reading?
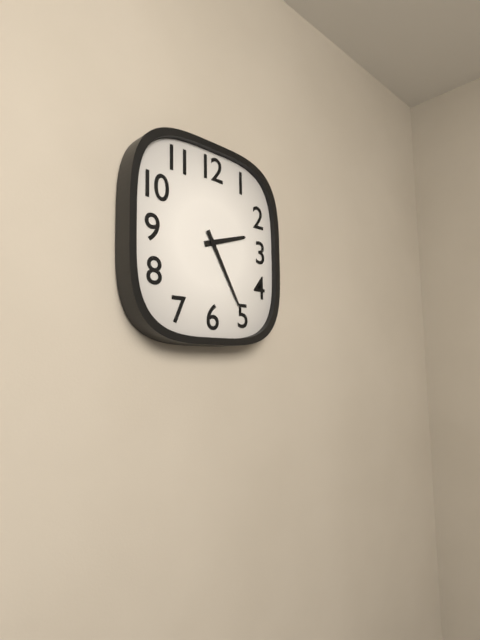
2:25
